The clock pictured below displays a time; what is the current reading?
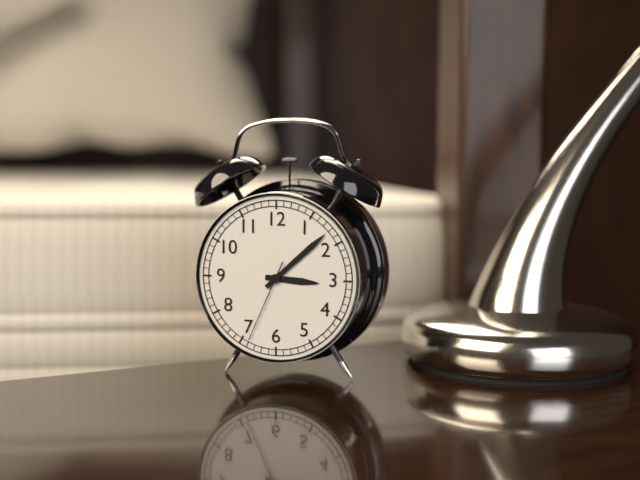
3:08:34
